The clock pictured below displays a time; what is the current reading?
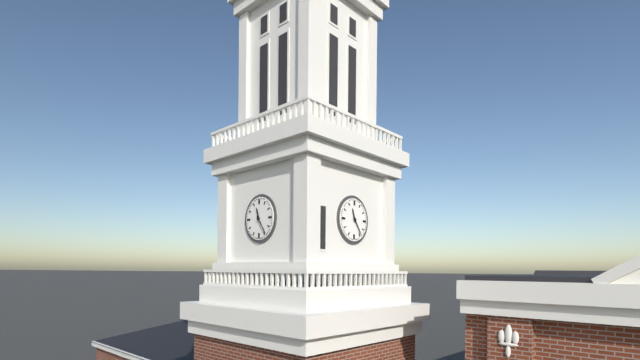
11:24
